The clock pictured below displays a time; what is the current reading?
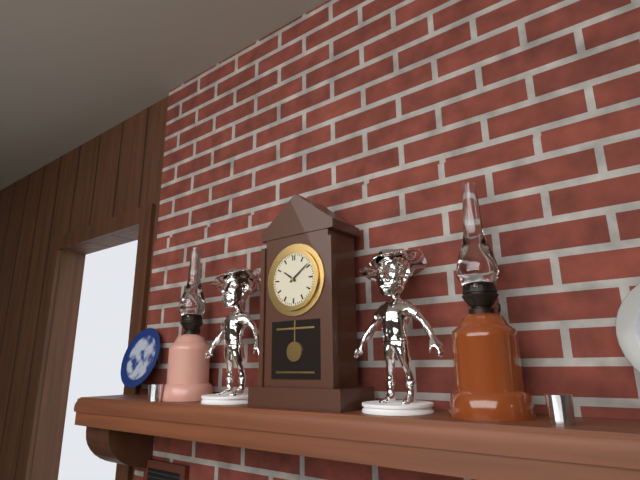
10:09
